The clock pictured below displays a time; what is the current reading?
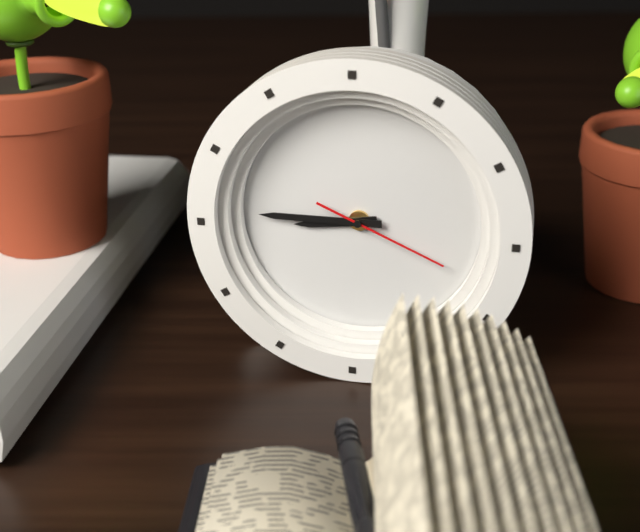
8:45:19
